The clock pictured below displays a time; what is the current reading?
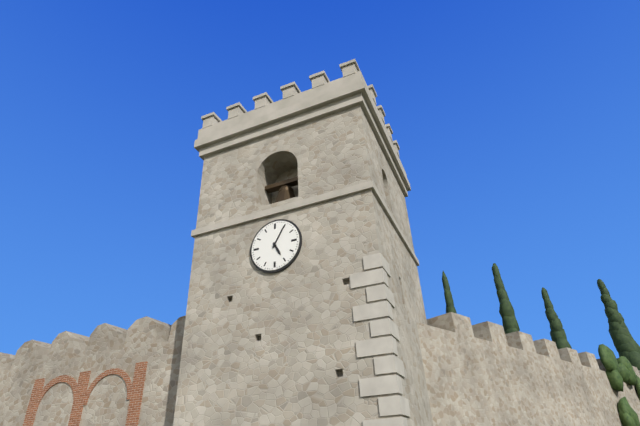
5:05
